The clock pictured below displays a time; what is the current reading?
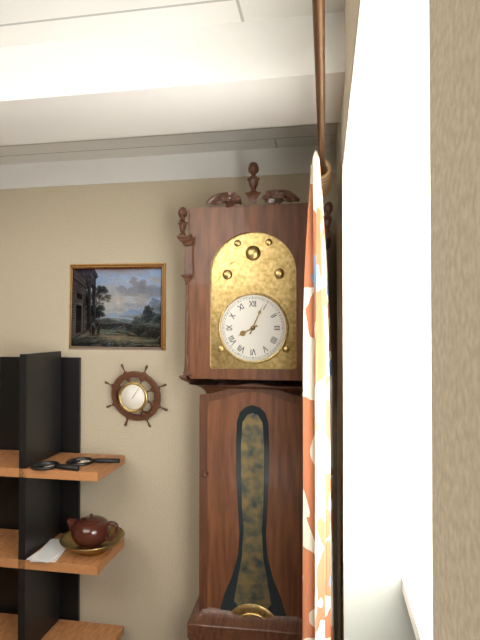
8:04
